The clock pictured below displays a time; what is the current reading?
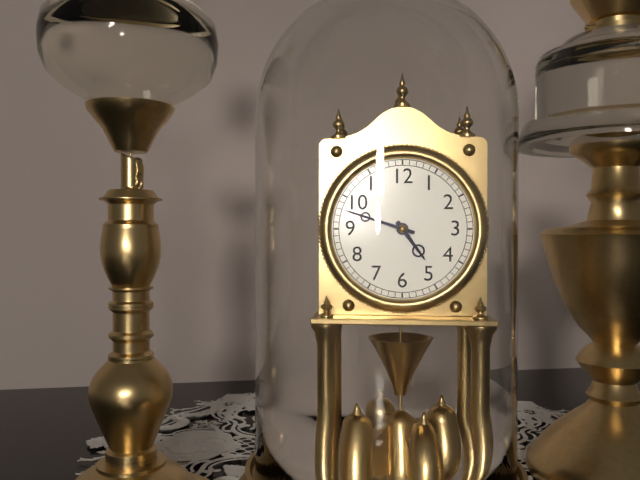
4:48
